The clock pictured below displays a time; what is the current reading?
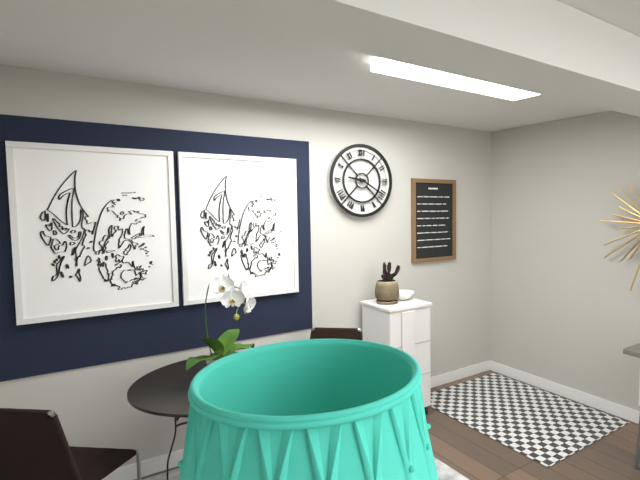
9:20
